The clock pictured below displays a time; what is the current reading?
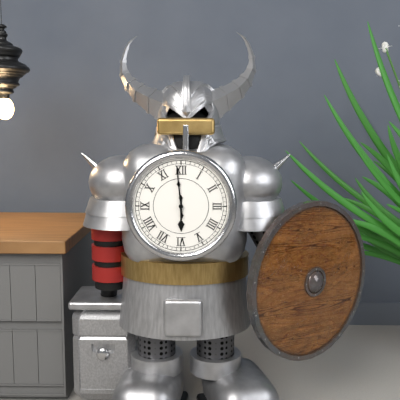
5:59
